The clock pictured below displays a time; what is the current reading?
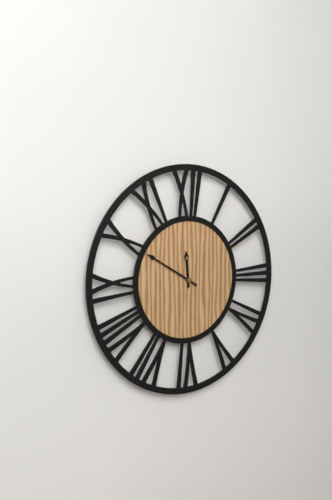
11:50
